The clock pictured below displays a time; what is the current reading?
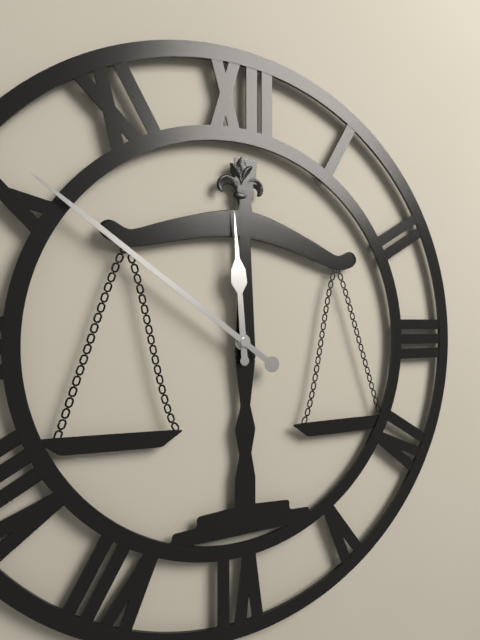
11:51
